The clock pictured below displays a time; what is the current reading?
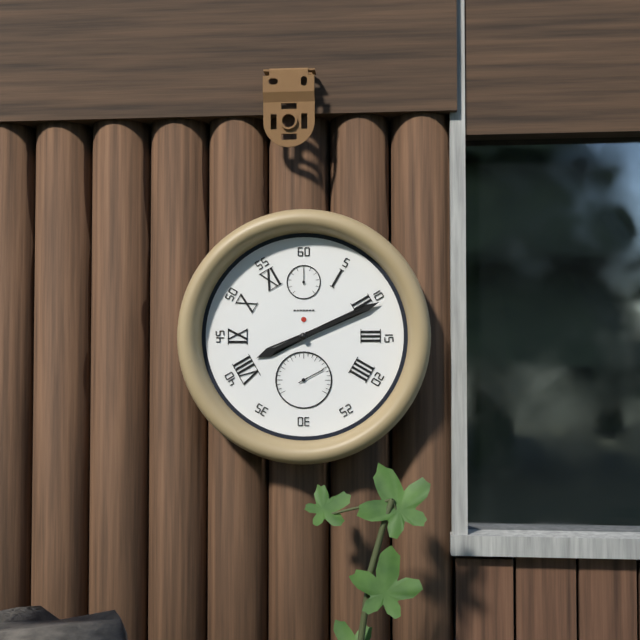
8:11
